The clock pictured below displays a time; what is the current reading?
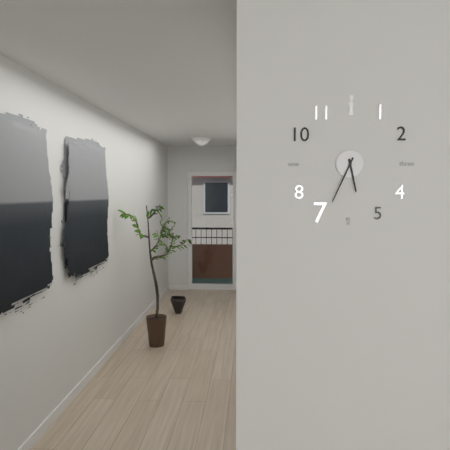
5:34
